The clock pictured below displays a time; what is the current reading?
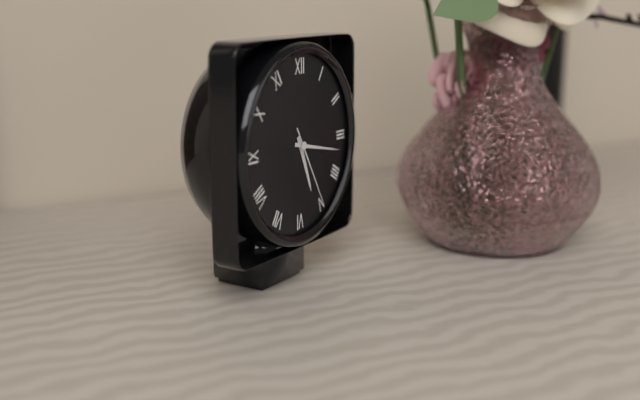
5:17:25
